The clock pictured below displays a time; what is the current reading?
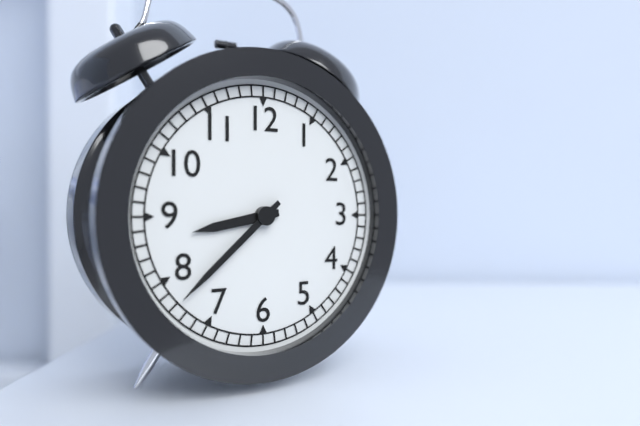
8:38
